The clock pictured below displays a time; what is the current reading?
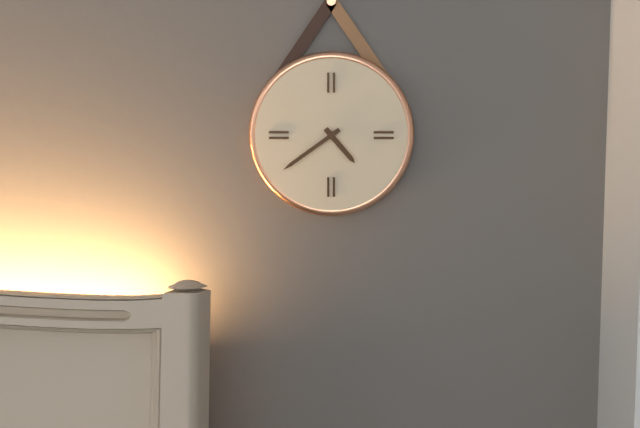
4:39
